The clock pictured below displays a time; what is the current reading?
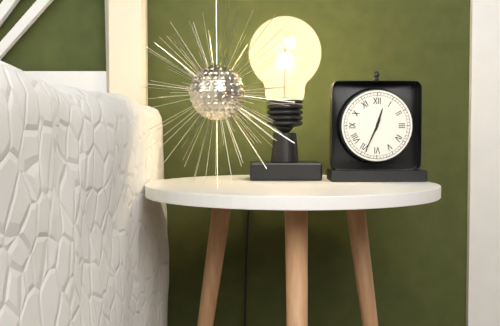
12:34
